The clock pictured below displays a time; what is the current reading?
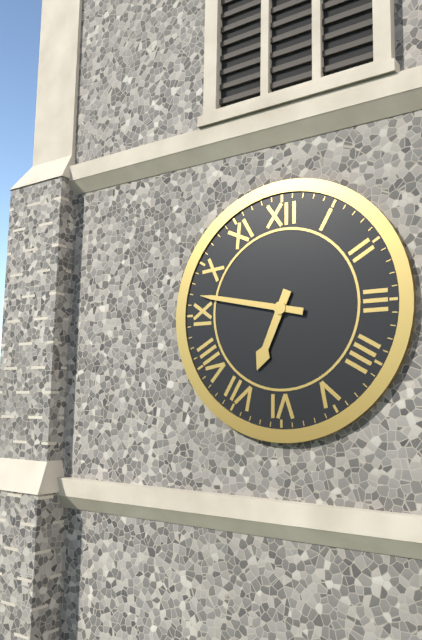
6:47
